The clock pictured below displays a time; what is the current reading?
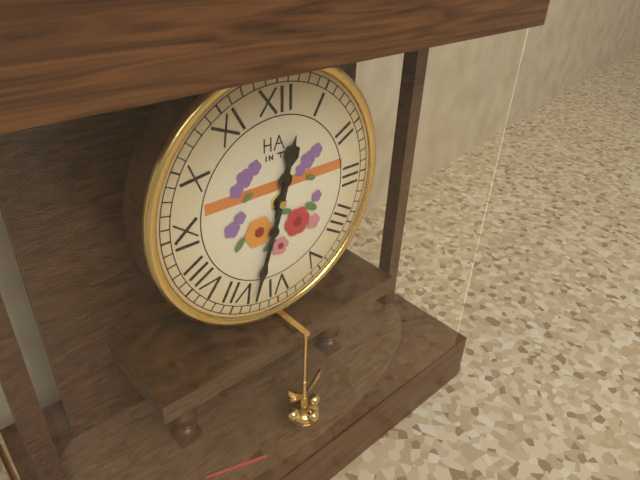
12:33
